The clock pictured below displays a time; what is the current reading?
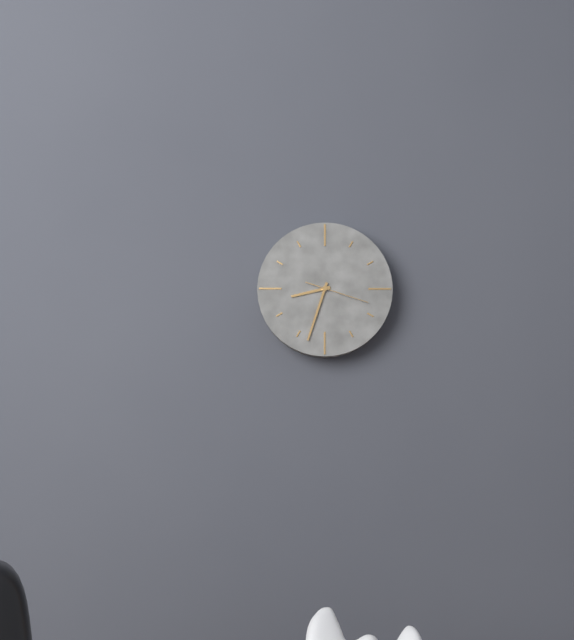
8:33:18
